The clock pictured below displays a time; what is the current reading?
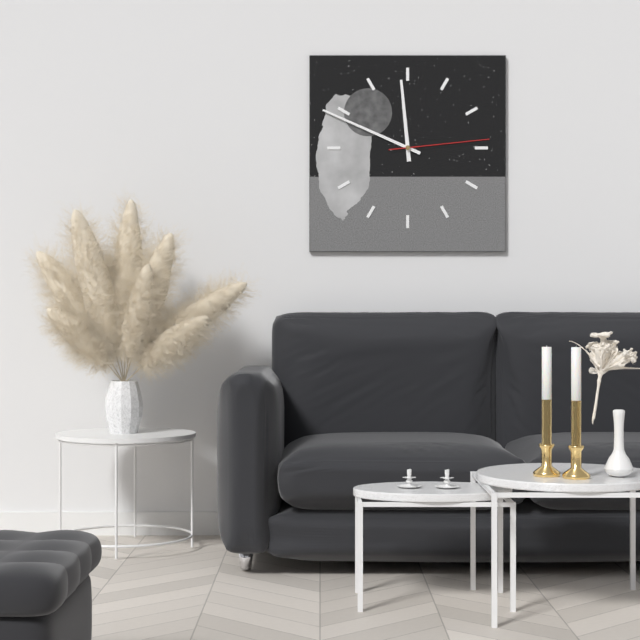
11:49:14
